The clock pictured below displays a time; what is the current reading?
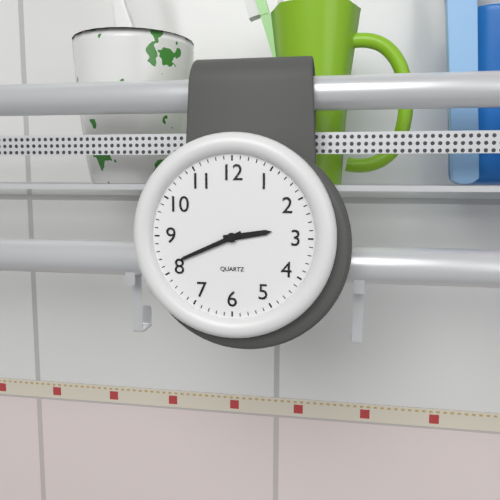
2:41
